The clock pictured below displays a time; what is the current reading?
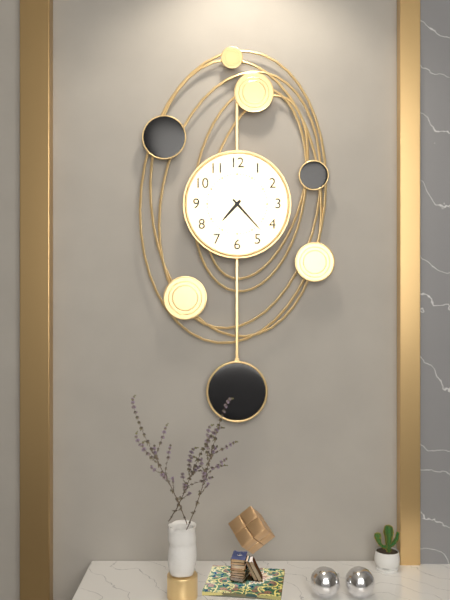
7:23
